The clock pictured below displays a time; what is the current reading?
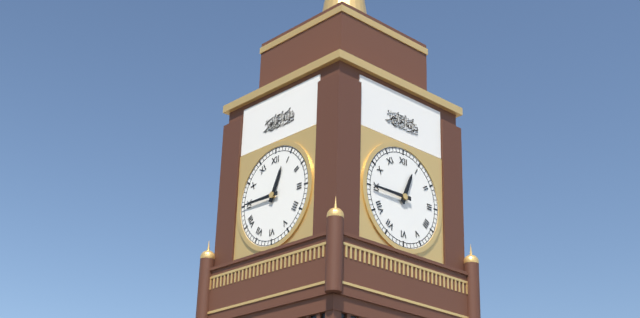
12:45
